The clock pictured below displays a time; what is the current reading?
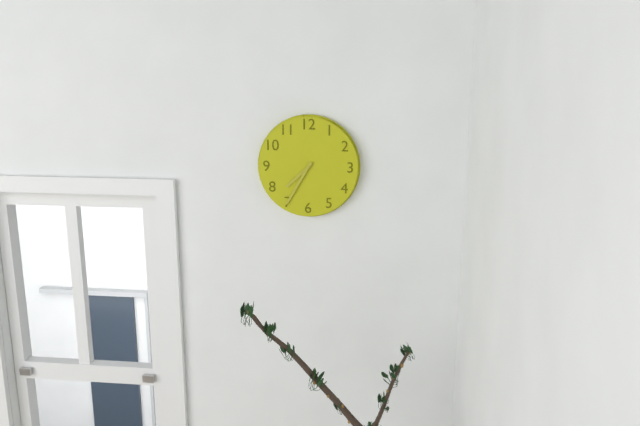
7:35
